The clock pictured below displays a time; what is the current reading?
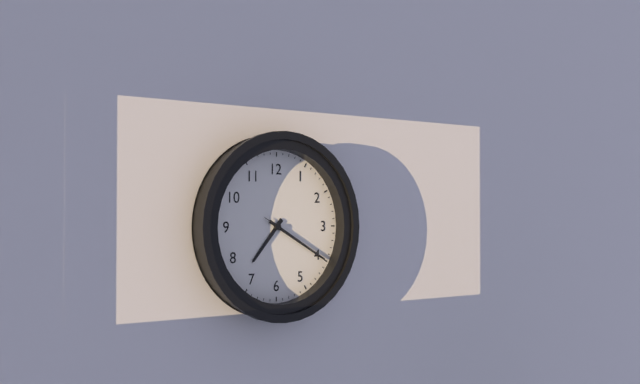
7:20:20
